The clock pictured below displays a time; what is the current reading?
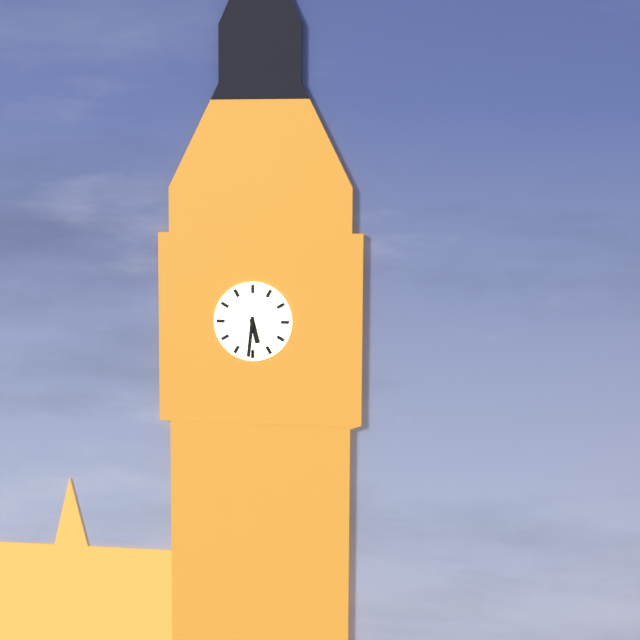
5:31
